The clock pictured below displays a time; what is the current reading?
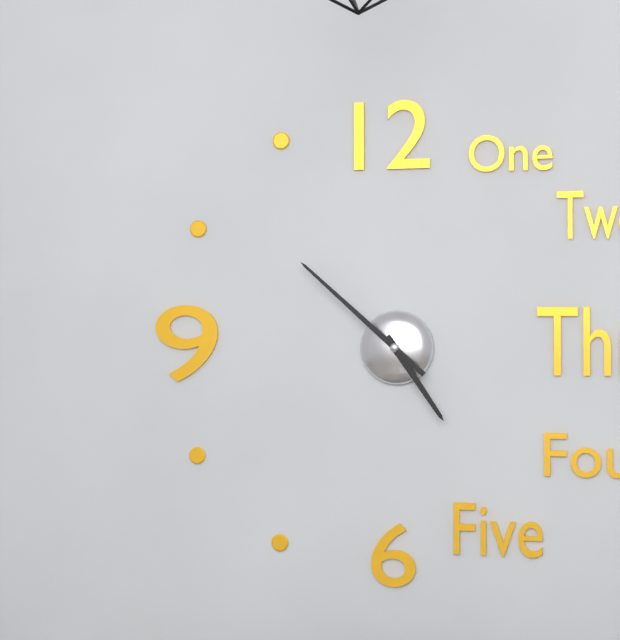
4:52
